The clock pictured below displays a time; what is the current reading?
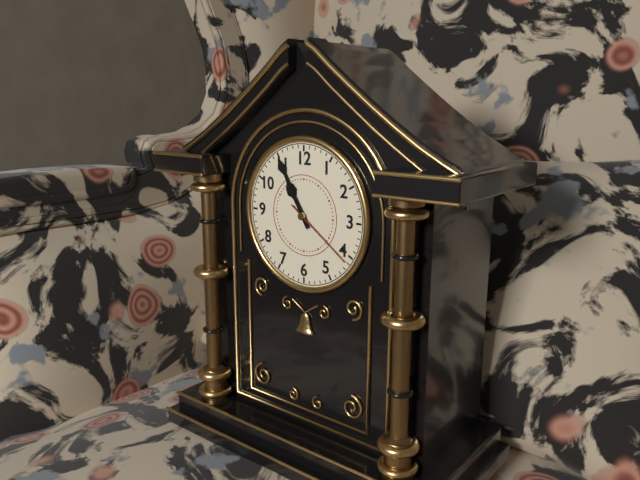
10:55:21
